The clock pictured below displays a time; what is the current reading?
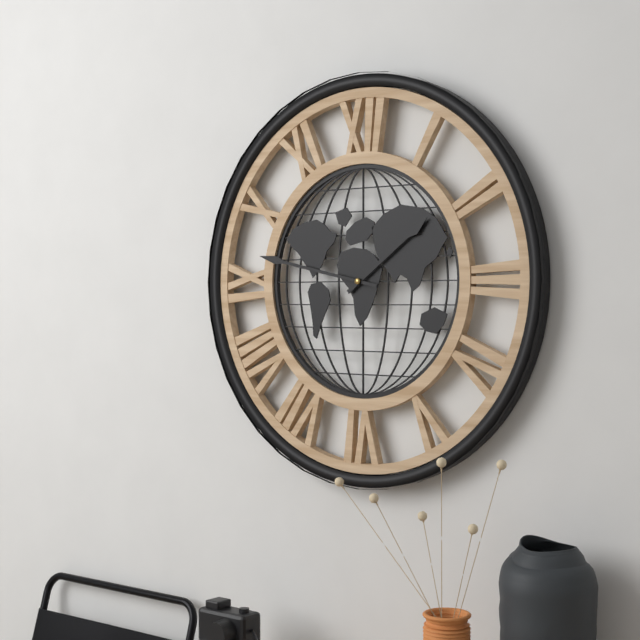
1:47
